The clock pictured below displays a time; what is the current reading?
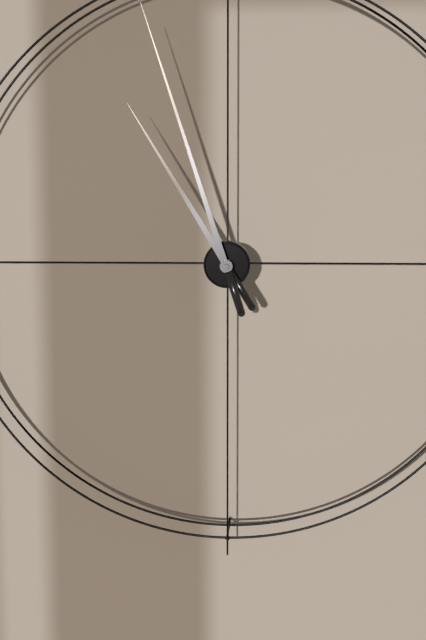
10:57
